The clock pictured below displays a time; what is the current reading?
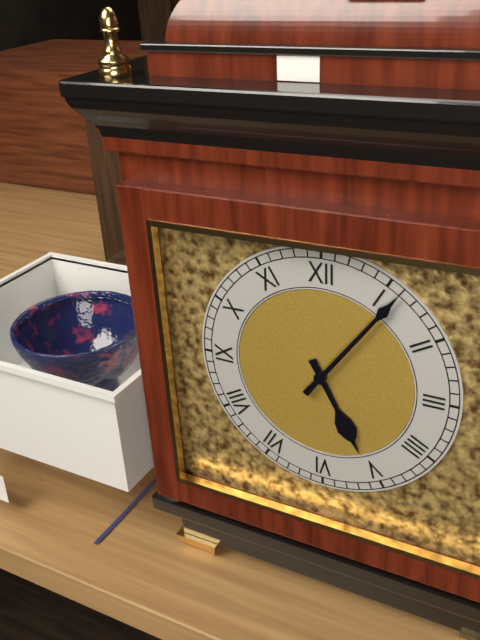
5:06
